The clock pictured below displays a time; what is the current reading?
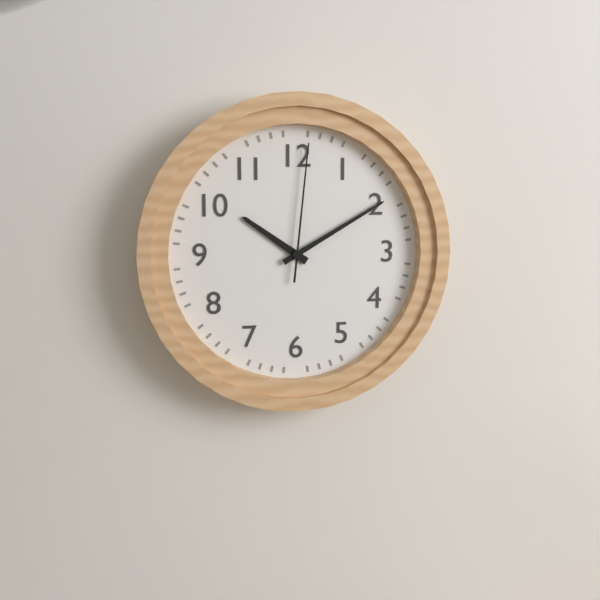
10:10:01
